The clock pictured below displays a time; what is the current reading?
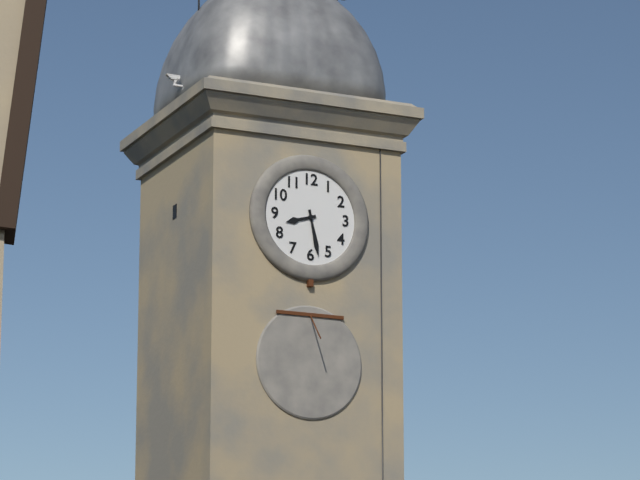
8:28
